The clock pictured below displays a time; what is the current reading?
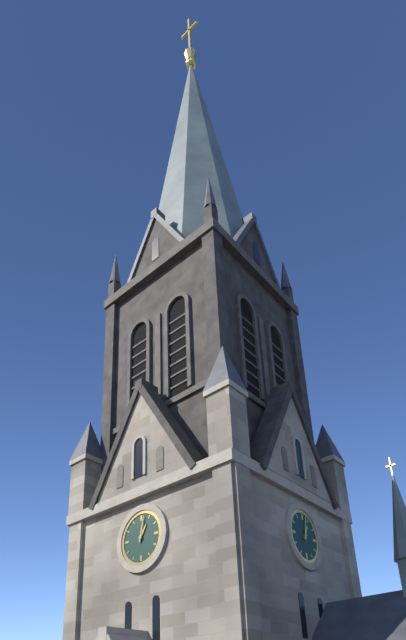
1:02
